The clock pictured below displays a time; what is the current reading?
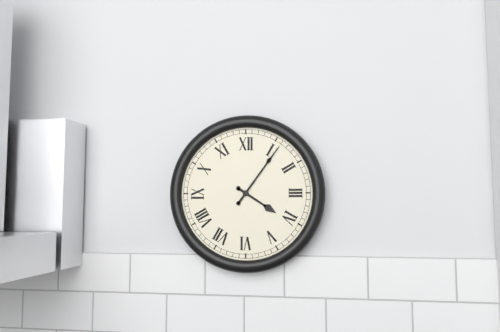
4:06
